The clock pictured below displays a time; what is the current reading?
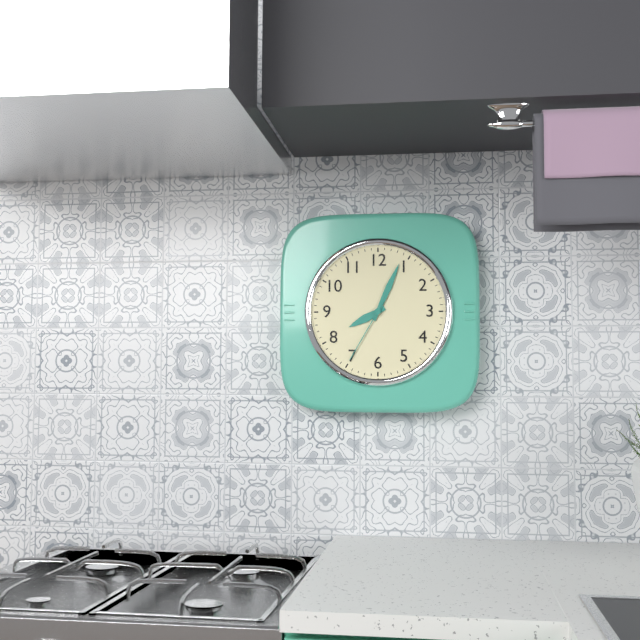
8:04:35
